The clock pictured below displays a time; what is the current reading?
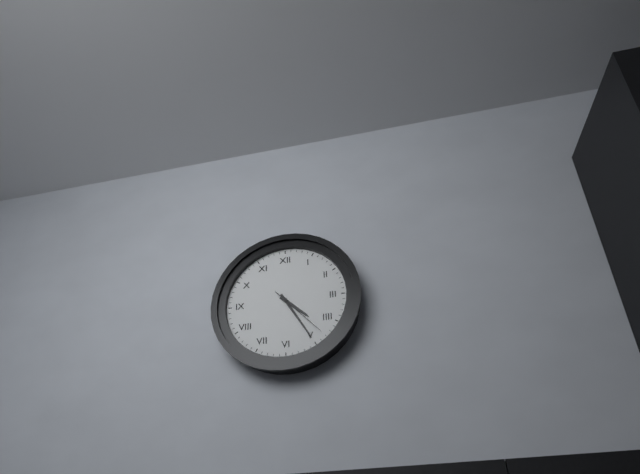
4:25:23
